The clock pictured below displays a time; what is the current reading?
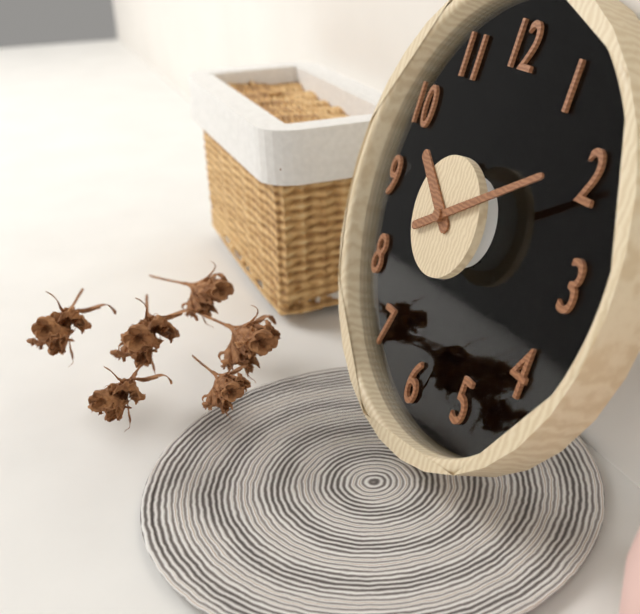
10:10
